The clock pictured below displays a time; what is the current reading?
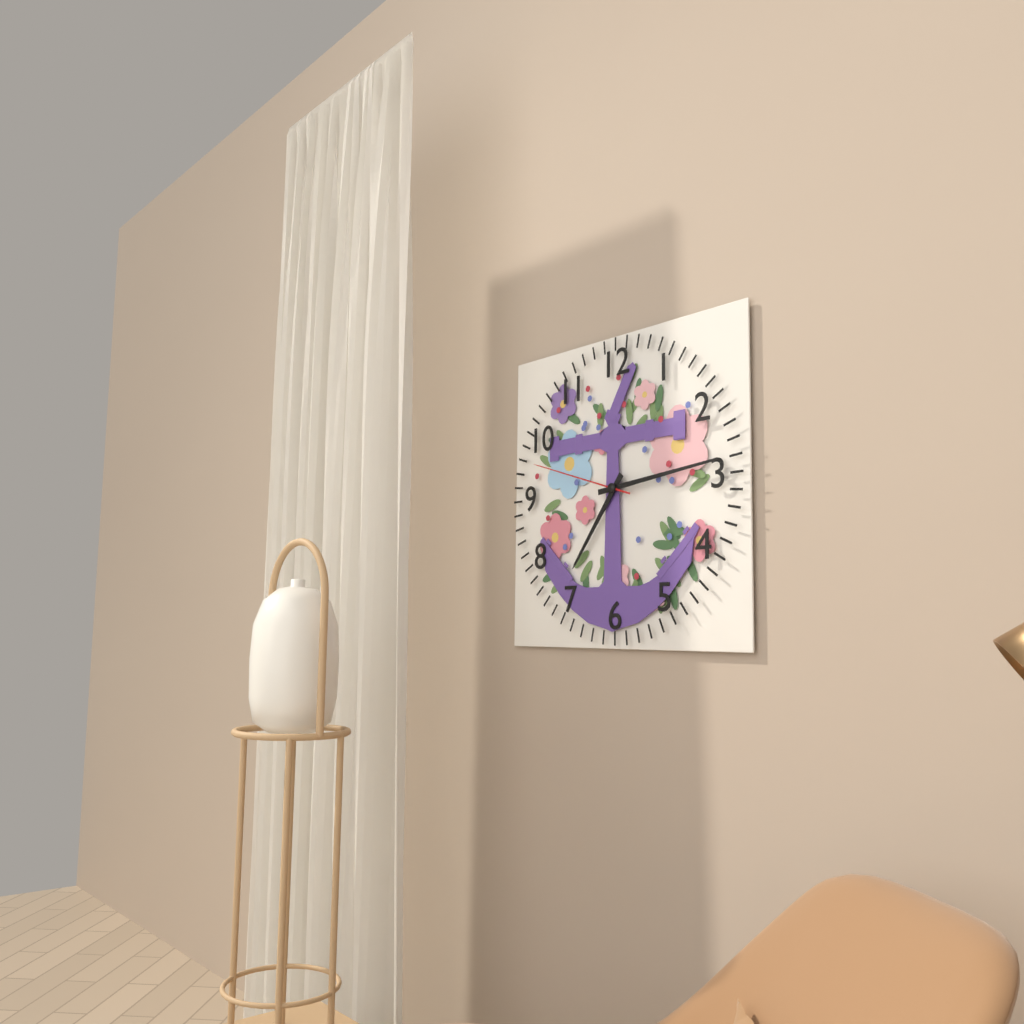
7:14:48
